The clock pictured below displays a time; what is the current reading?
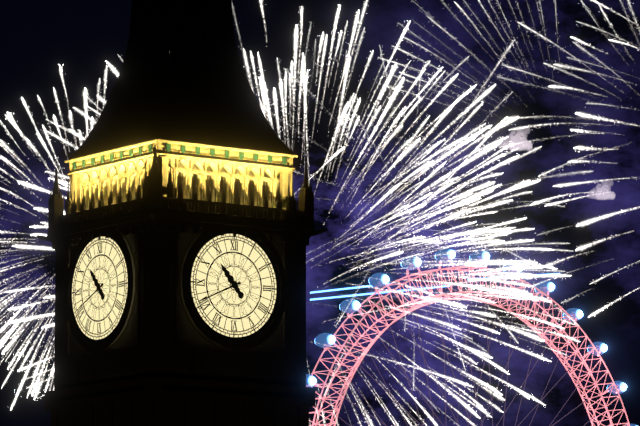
10:41
